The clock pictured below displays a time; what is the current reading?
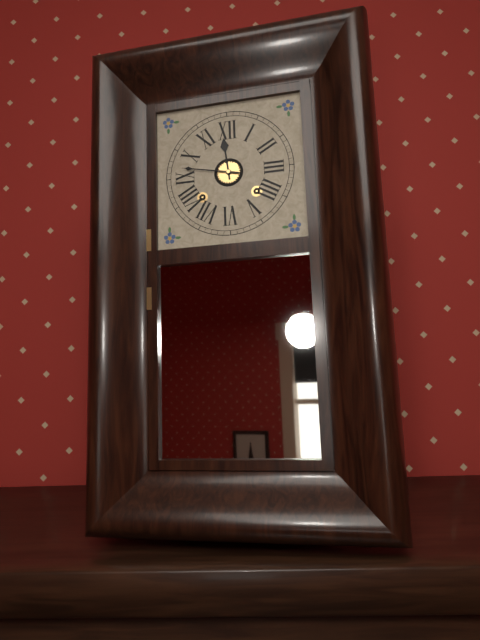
11:47
